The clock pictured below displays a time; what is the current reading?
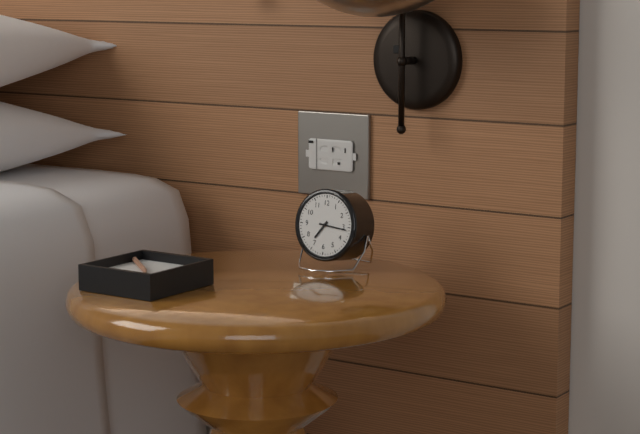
7:16
